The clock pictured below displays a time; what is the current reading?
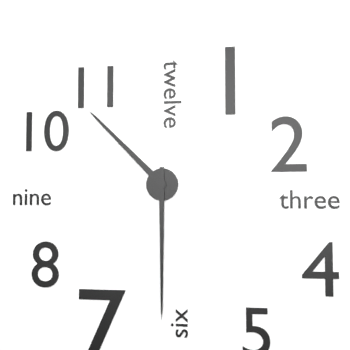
10:30
